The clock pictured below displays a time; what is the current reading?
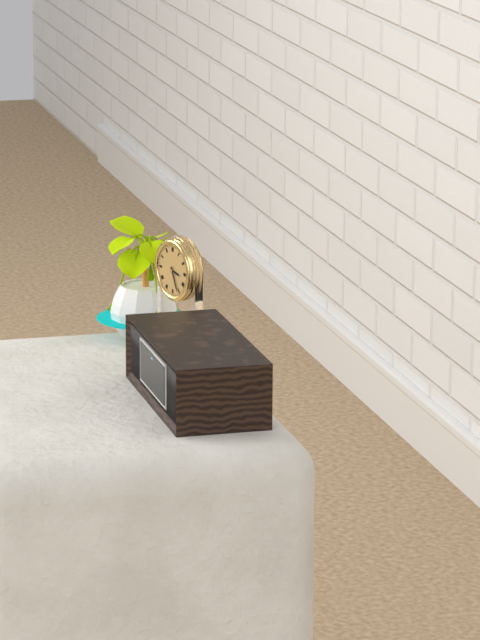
3:26
